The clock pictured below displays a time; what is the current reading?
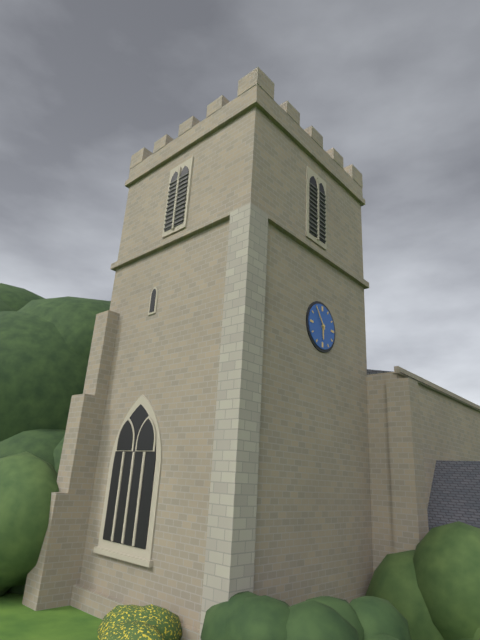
5:54
